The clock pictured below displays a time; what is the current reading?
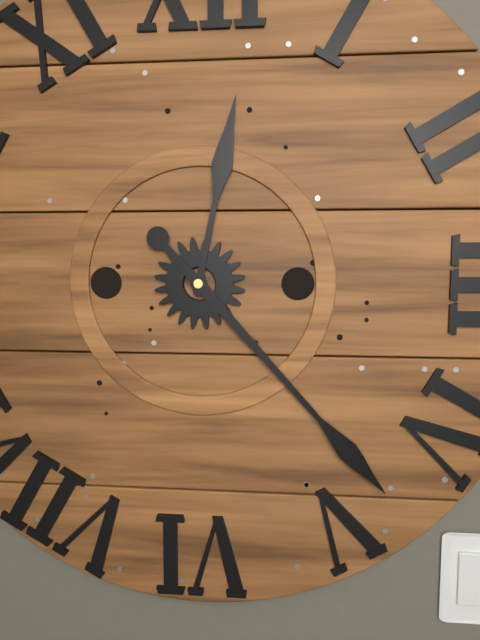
12:23
